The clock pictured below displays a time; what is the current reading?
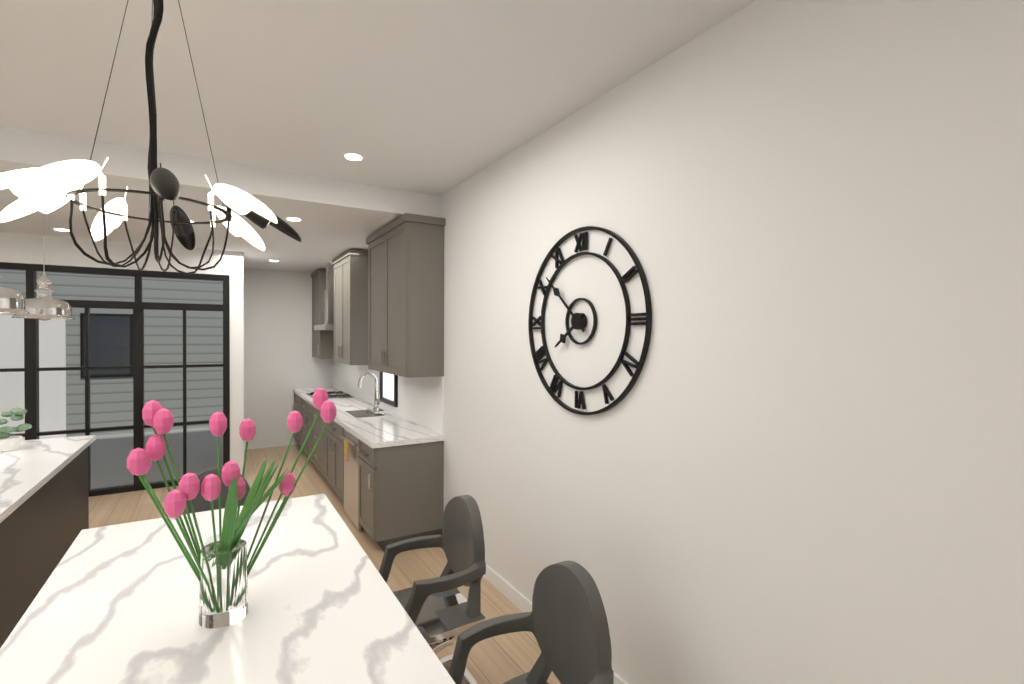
7:52
